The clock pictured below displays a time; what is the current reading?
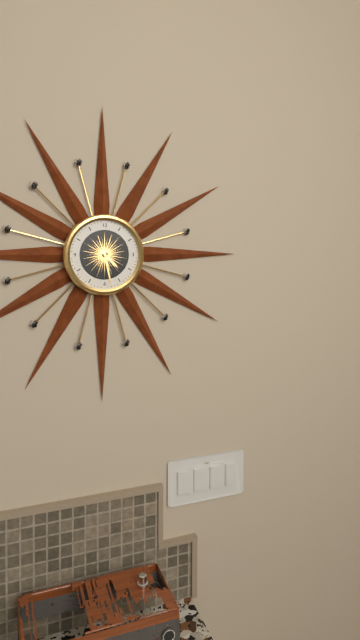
4:28
